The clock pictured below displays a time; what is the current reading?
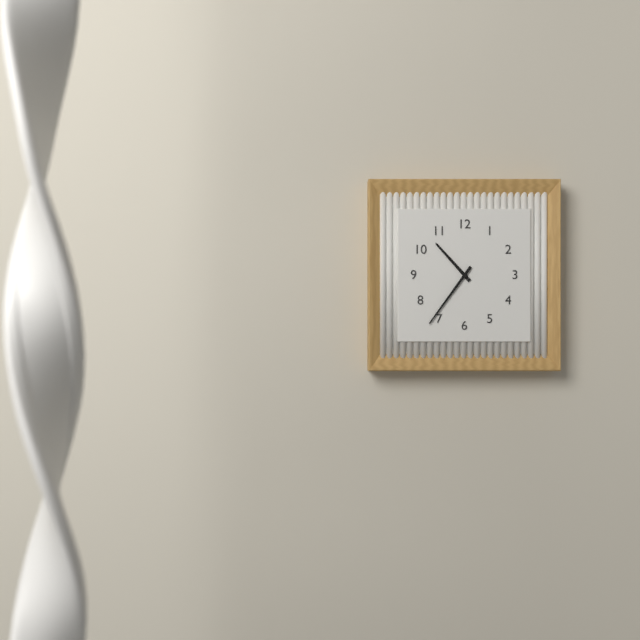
10:36
